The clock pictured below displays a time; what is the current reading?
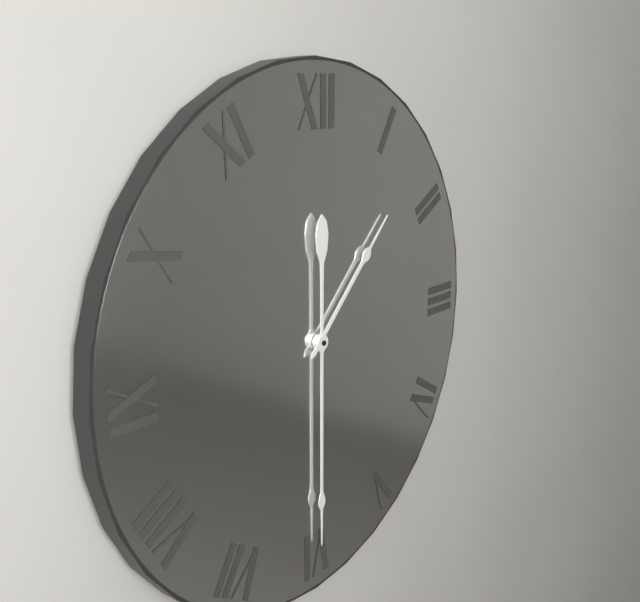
1:30
